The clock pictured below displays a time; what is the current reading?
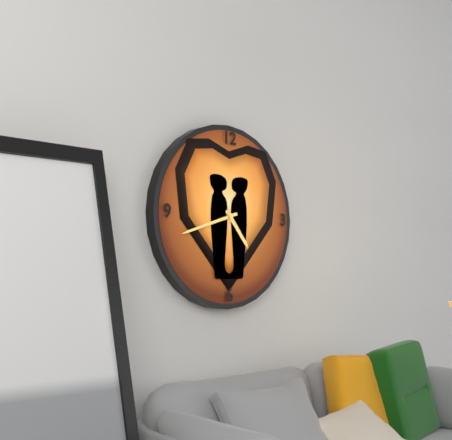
4:42
